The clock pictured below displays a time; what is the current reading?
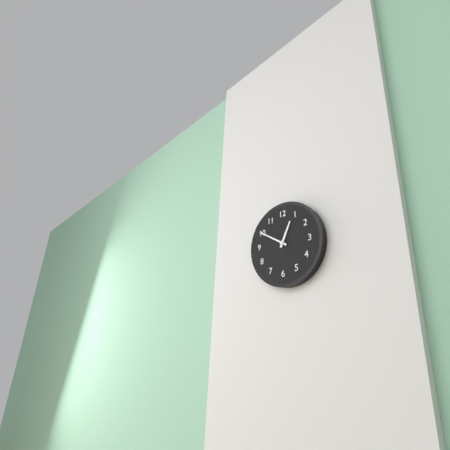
12:50
